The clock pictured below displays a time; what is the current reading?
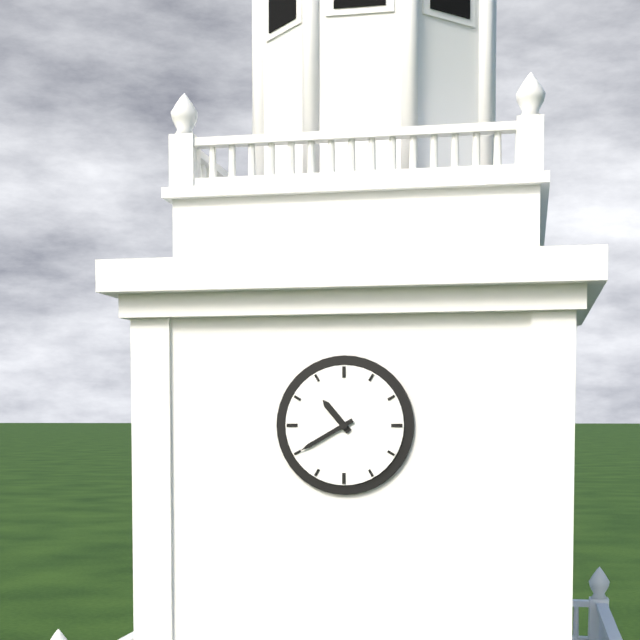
10:40
